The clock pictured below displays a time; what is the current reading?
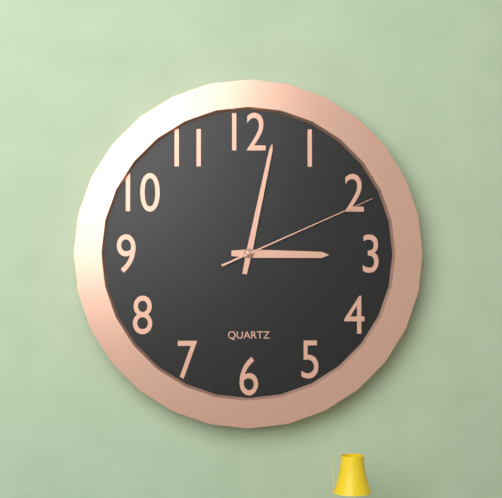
3:02:11
